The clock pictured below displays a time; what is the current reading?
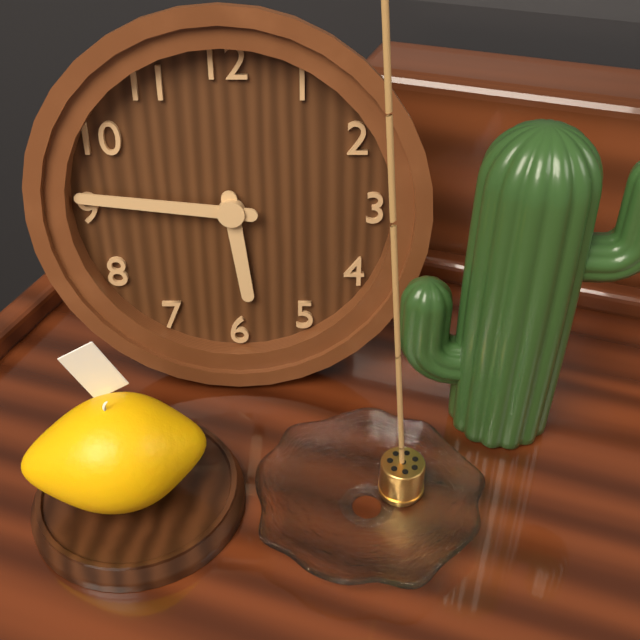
5:46
